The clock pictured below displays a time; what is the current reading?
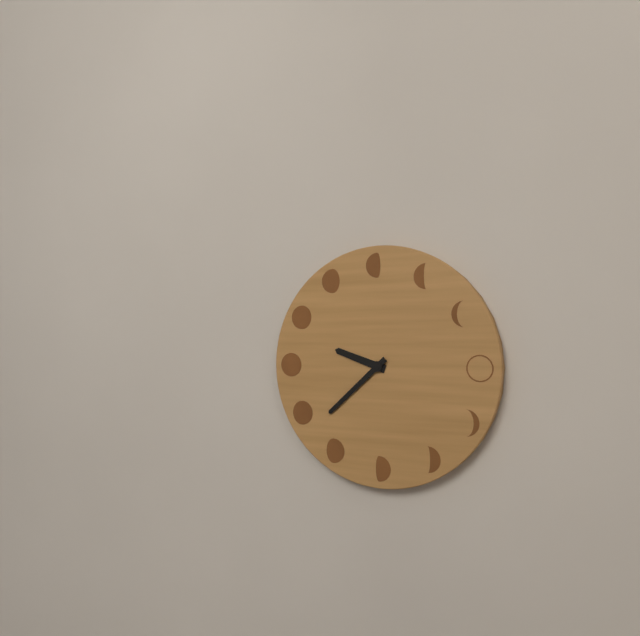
9:38
